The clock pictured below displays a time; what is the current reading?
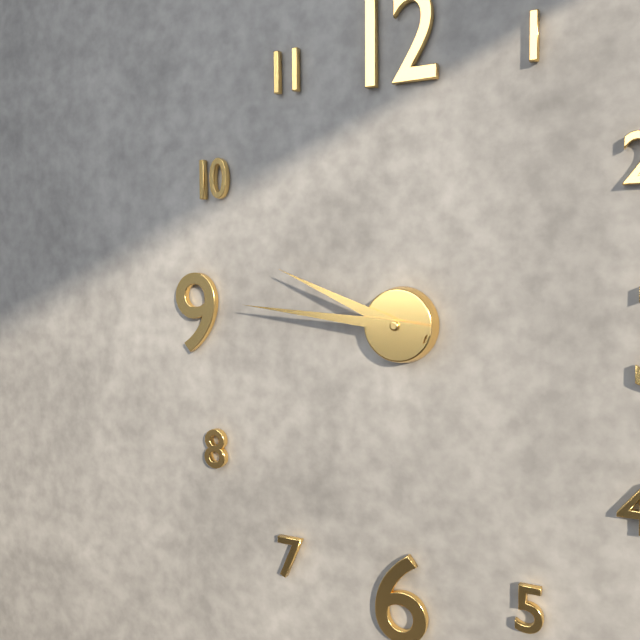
9:46
